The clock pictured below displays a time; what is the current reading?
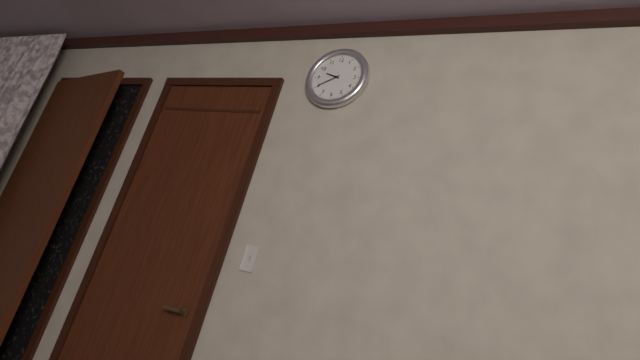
9:40
